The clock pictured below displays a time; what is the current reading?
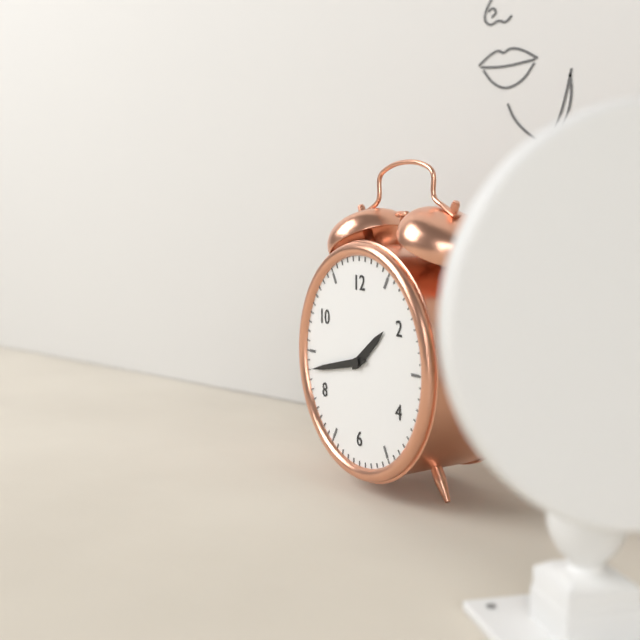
1:43
